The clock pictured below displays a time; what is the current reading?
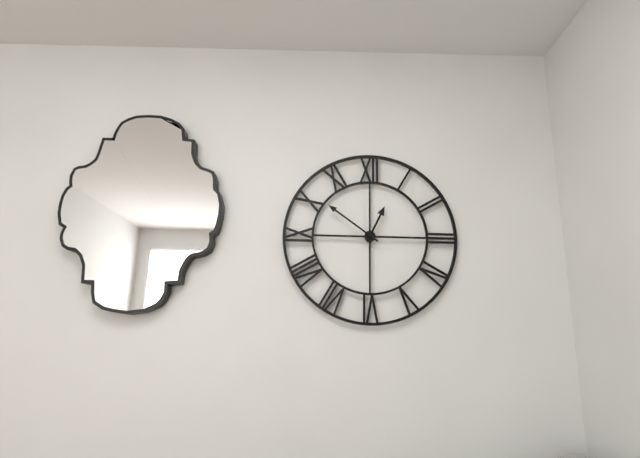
12:51
